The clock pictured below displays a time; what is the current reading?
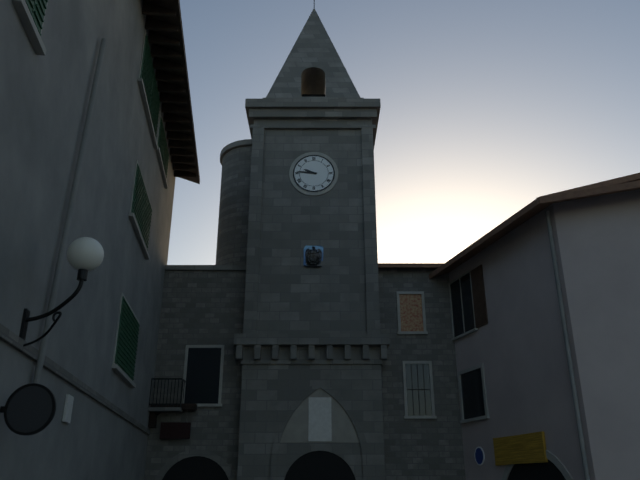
9:46
